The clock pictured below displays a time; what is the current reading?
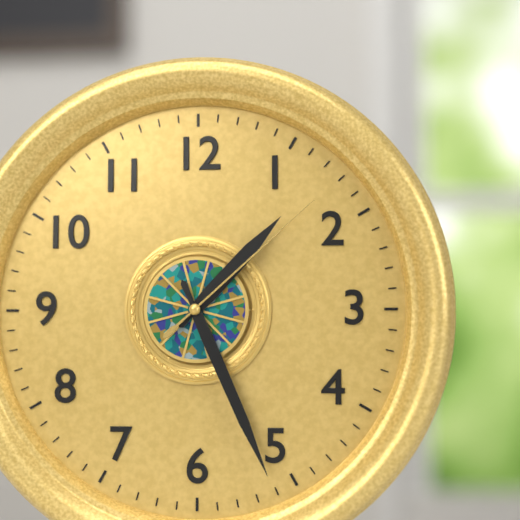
1:26:08
